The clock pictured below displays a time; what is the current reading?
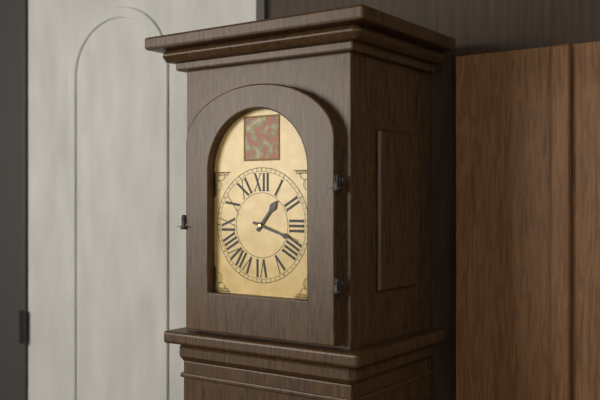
1:18
